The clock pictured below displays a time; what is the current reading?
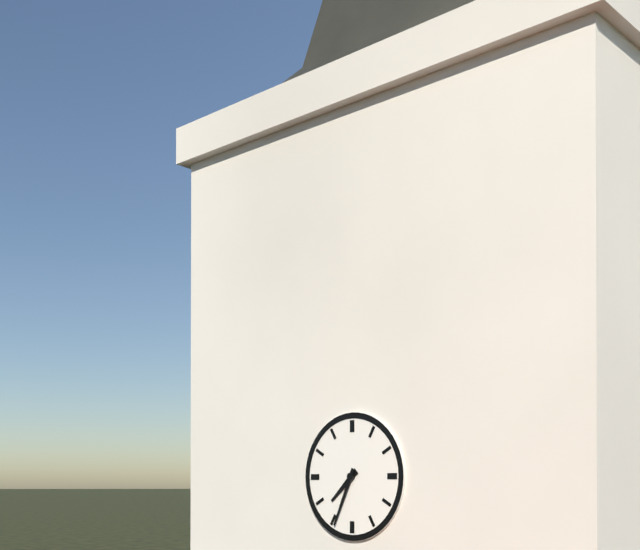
7:34
